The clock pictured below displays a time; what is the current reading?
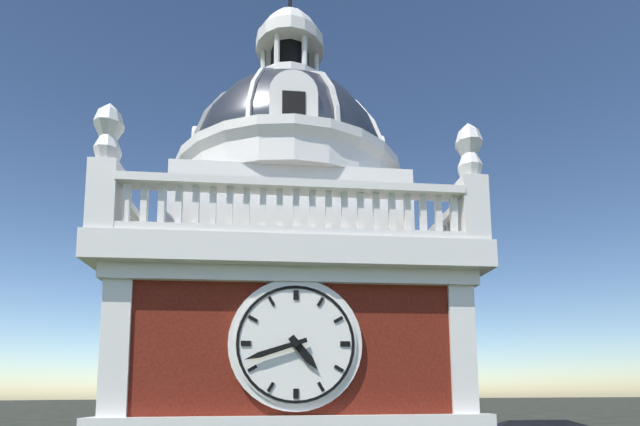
4:42
